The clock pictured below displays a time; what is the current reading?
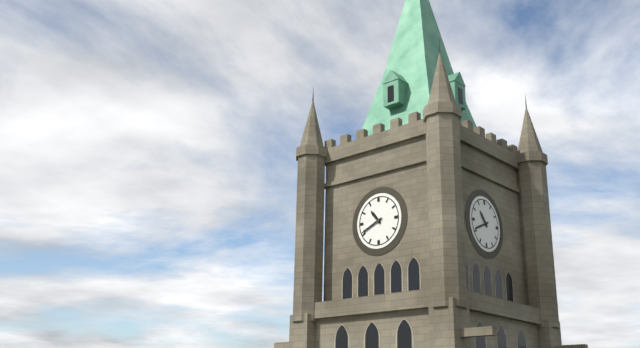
10:41
